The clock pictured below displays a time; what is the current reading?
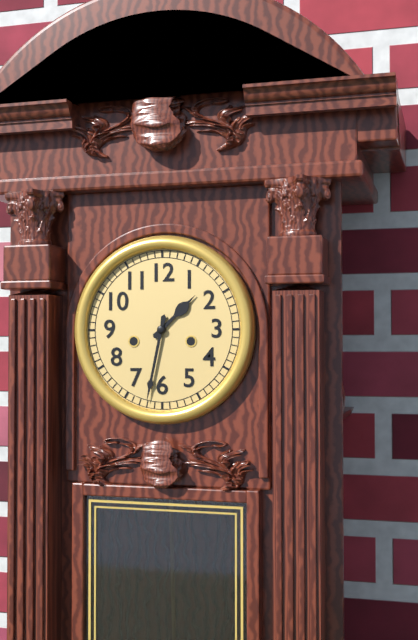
1:32
